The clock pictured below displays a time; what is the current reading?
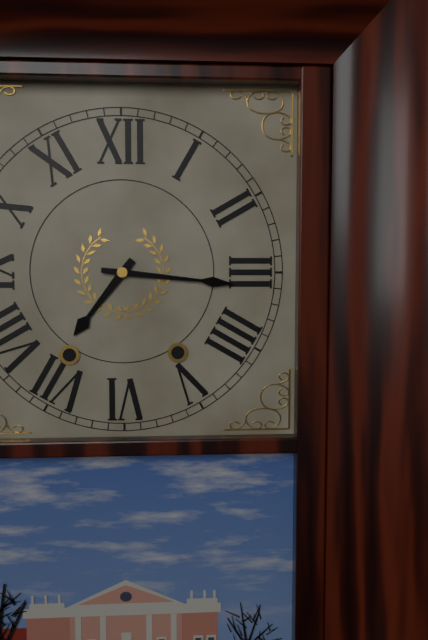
7:16
